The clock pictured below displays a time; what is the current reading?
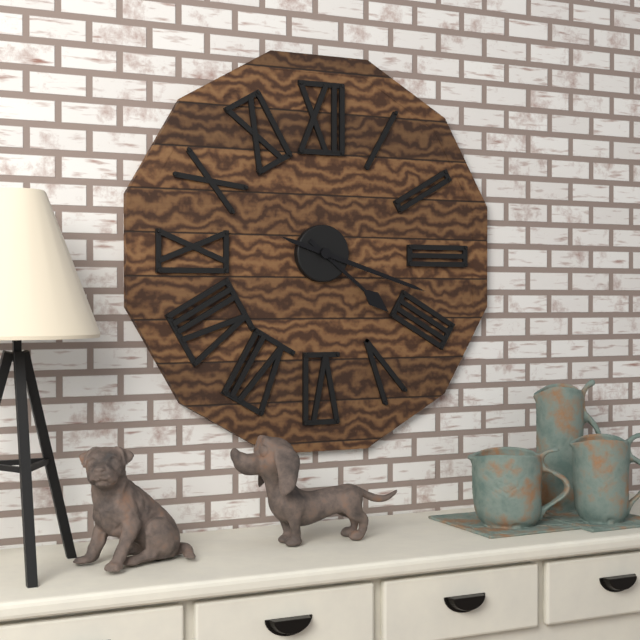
4:18
